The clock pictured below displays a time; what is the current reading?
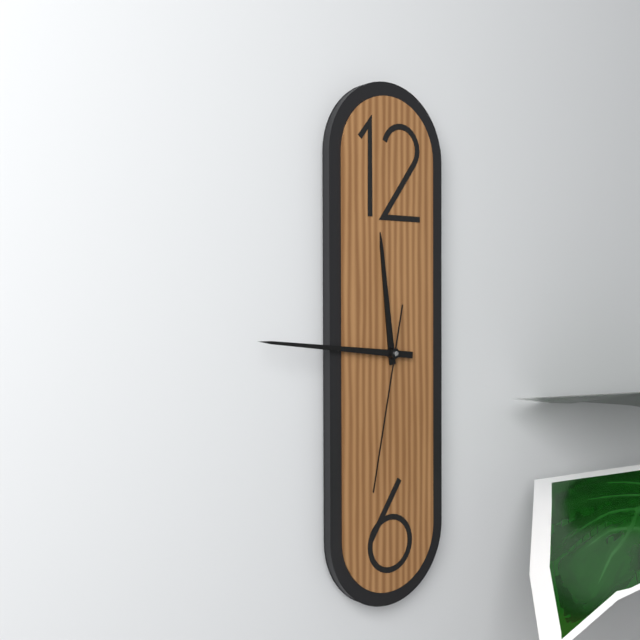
11:46:32
